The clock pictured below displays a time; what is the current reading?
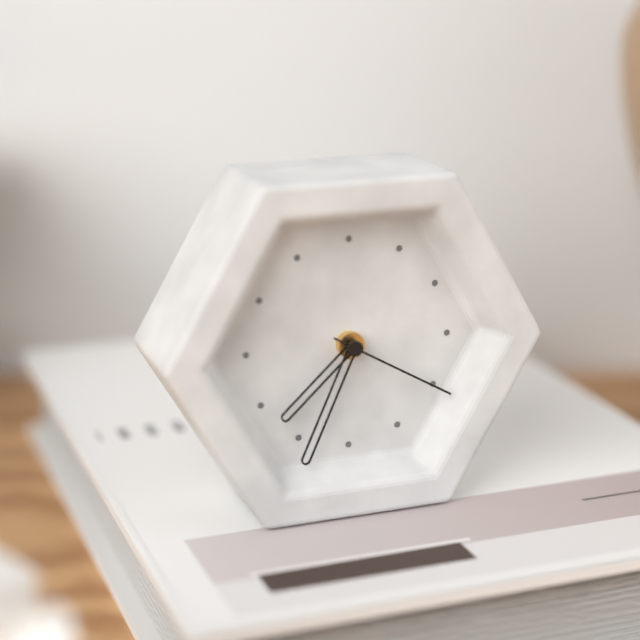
7:34:20
